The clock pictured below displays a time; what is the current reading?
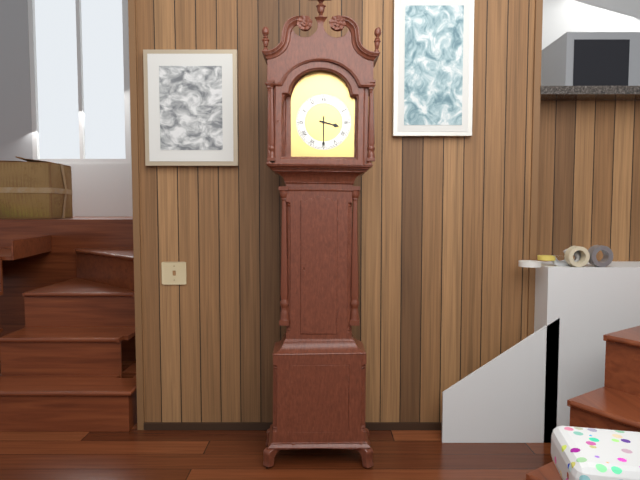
3:30
